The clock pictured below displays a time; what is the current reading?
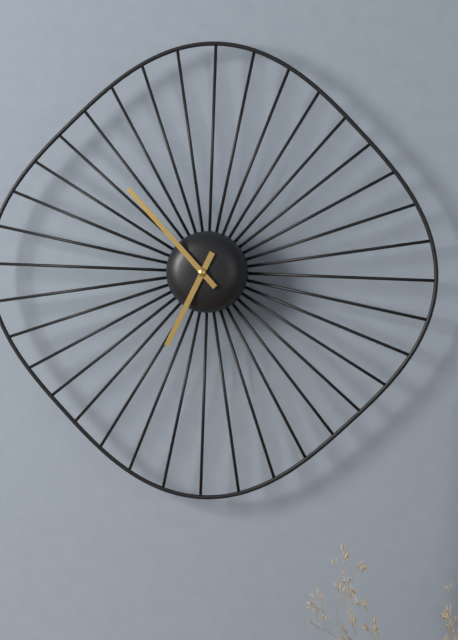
6:53
